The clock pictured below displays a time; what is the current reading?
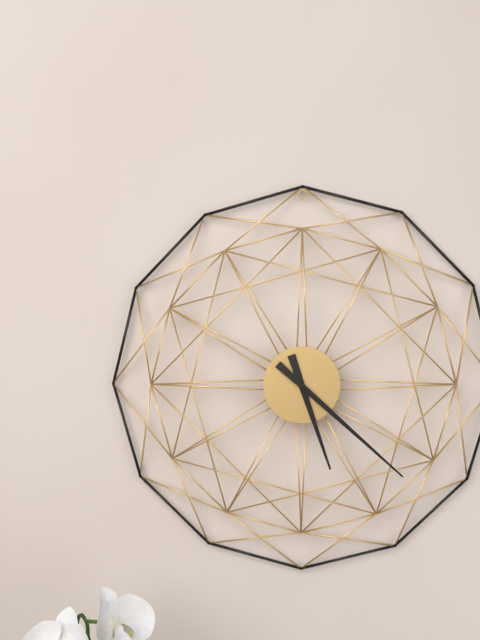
5:22
